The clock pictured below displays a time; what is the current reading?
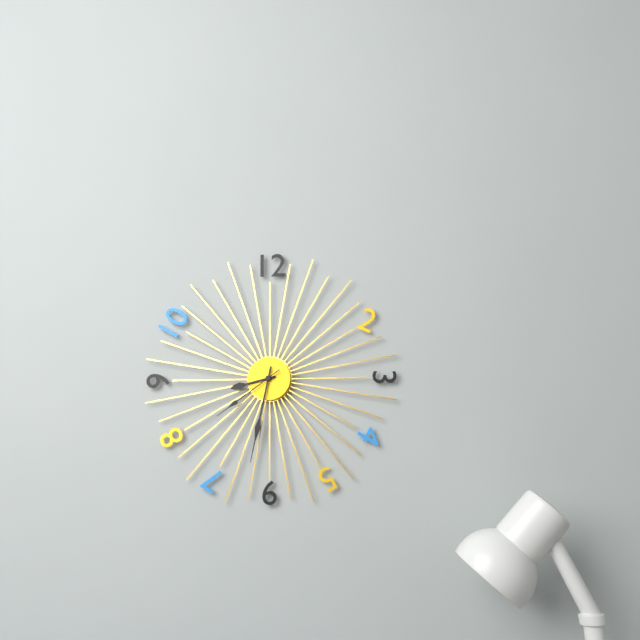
8:32:39
